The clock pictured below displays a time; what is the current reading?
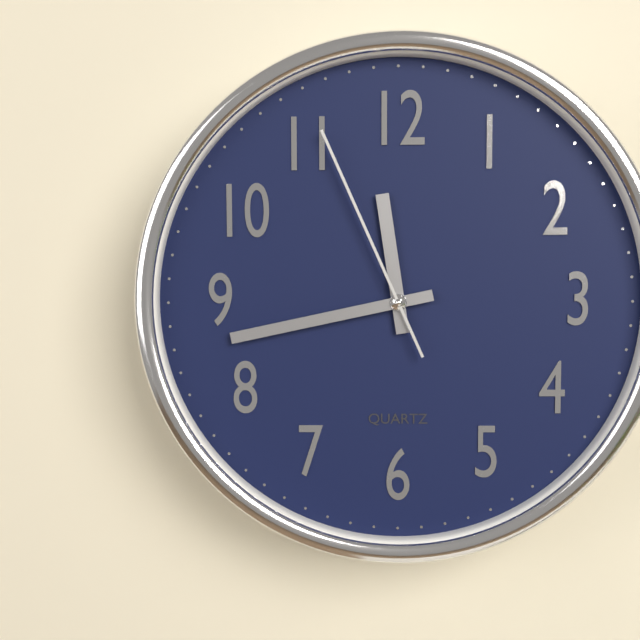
11:43:56
